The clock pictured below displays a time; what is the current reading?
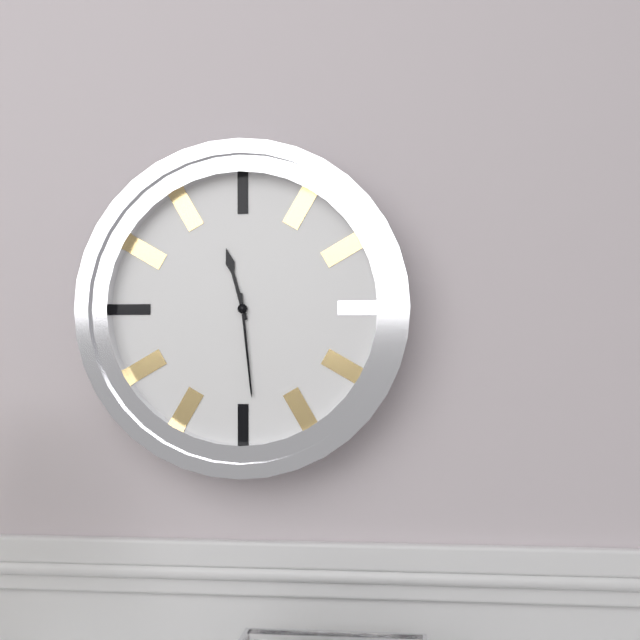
11:29
